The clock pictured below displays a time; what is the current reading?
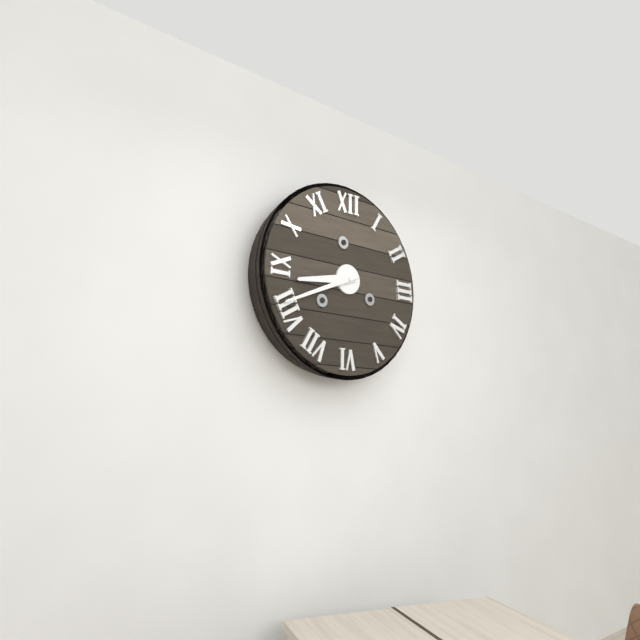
8:41
